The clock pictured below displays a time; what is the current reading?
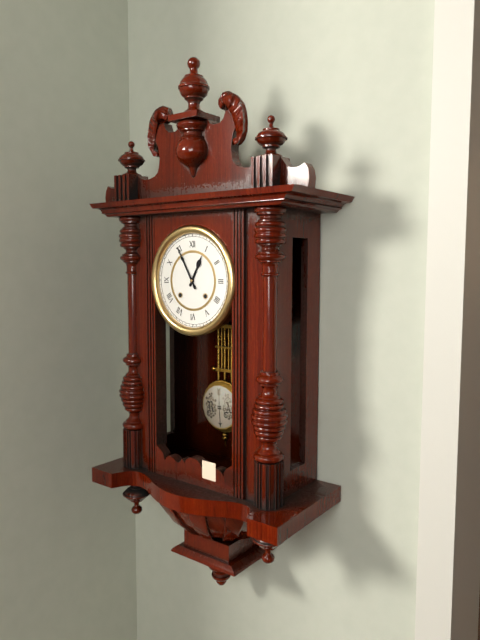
12:55
